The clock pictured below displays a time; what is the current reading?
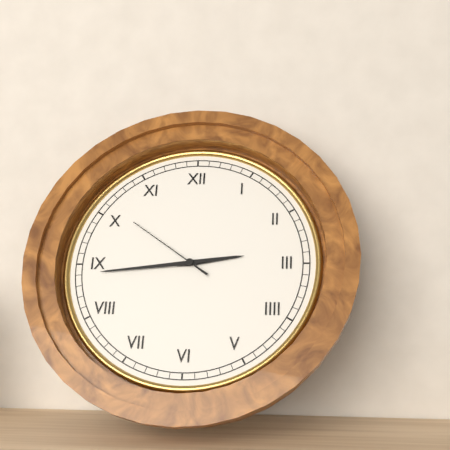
2:44:51
